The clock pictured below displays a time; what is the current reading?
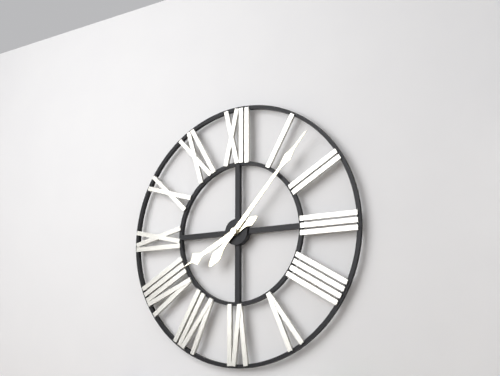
8:07
